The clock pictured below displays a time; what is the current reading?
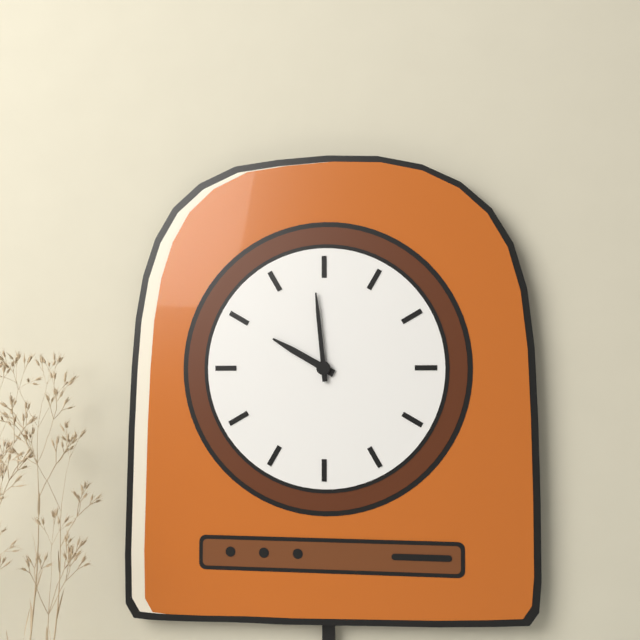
9:59
